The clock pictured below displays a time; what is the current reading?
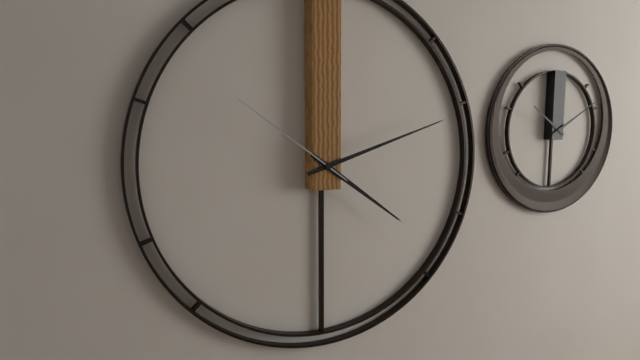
4:12:51
